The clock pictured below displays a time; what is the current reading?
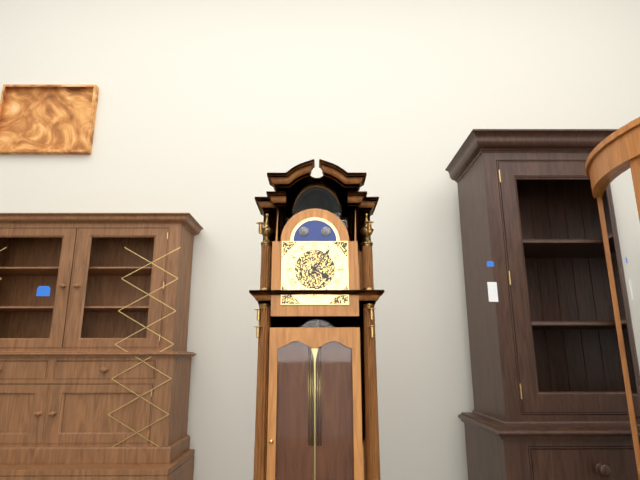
4:06
